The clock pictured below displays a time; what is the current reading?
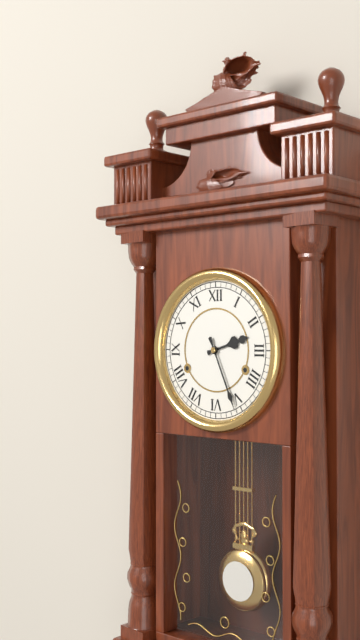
2:26
